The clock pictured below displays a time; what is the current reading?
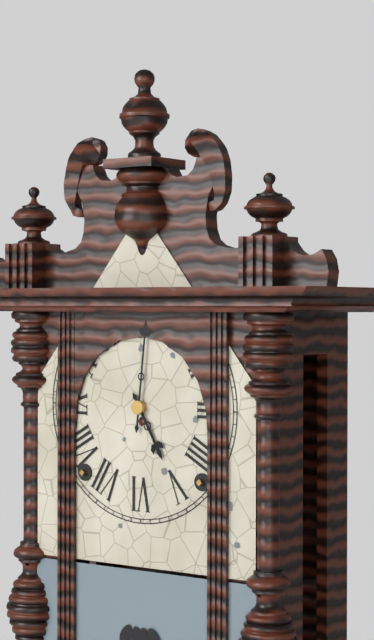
5:01
